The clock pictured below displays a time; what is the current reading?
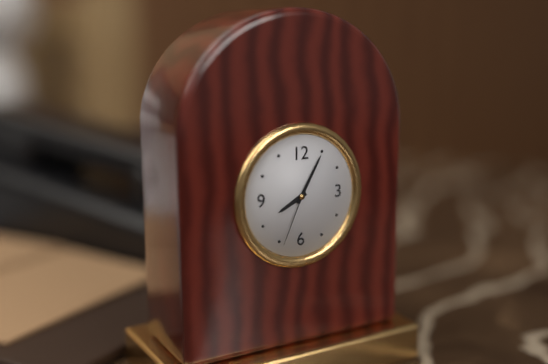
8:05:34
